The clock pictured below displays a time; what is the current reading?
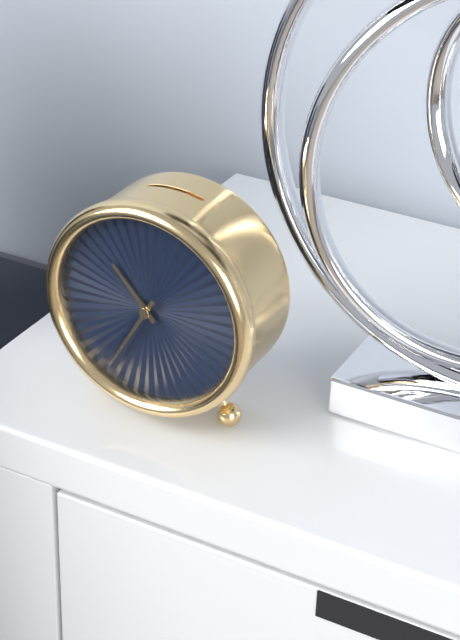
10:35
